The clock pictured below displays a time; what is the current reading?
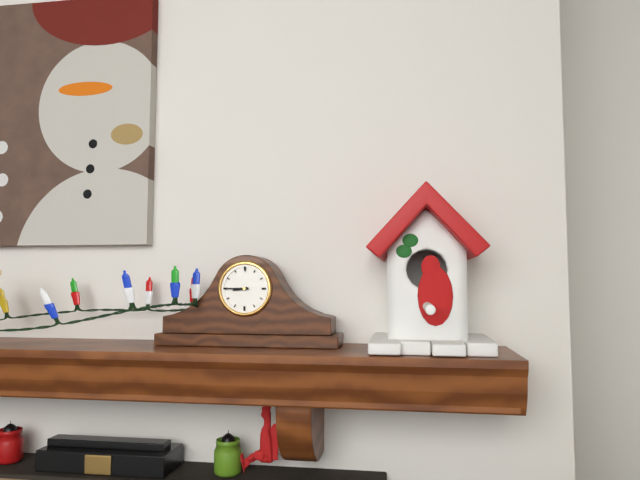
8:45
